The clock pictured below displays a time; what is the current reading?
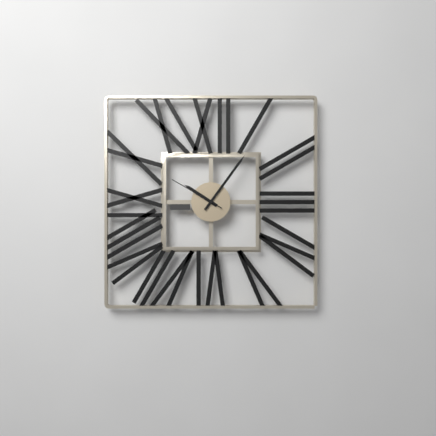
10:06:50
